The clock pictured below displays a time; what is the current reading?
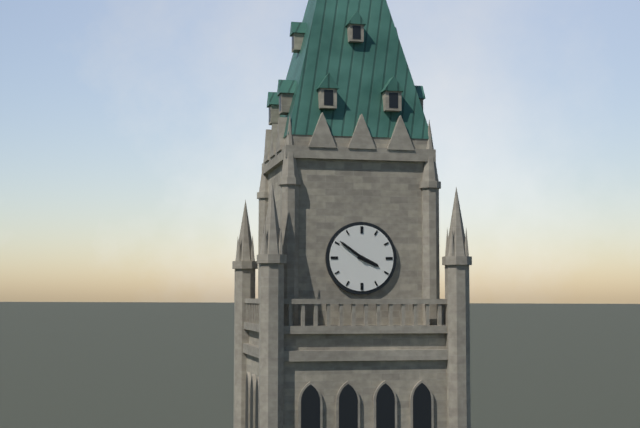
3:51
